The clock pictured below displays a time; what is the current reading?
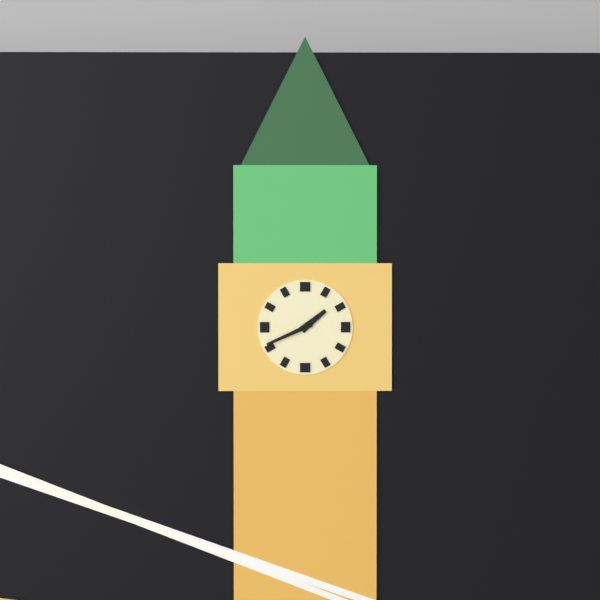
1:41
